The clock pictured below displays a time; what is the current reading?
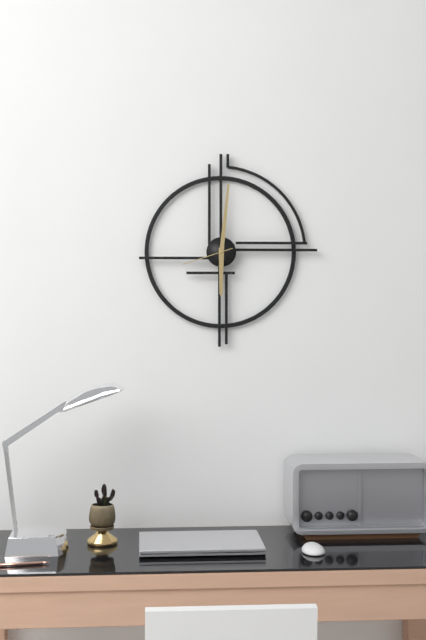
6:01:42
